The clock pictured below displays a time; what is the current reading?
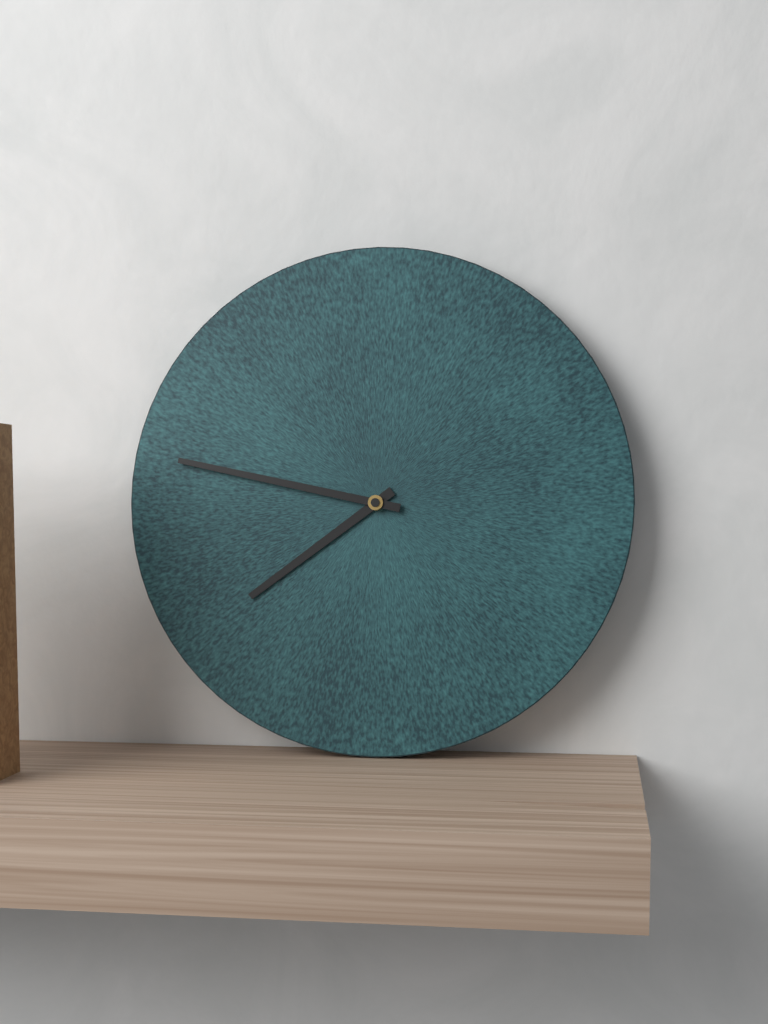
7:47
